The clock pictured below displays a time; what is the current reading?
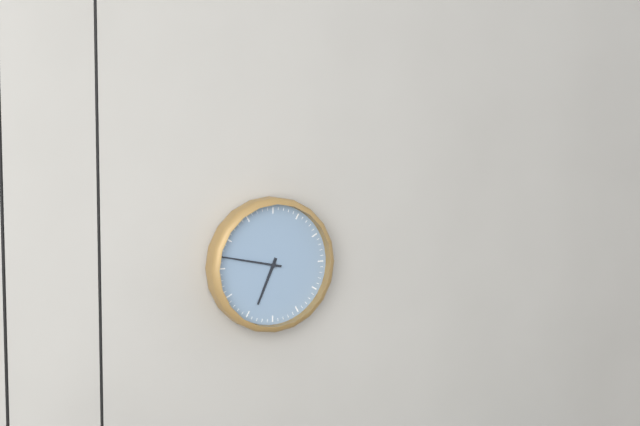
6:47
